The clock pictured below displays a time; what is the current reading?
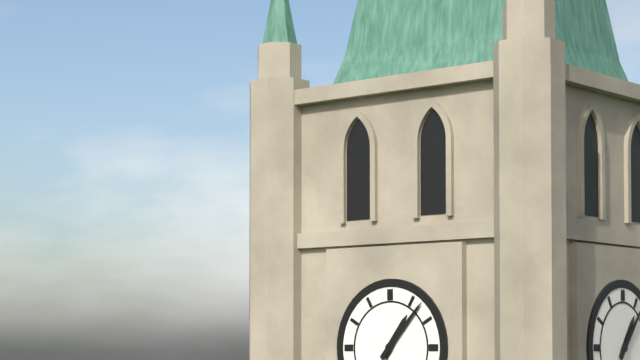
1:07
